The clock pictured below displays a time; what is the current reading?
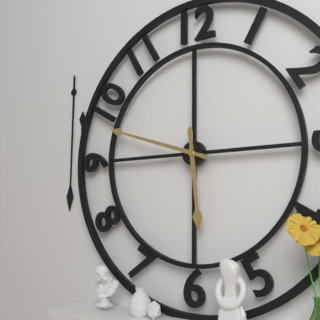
5:48
